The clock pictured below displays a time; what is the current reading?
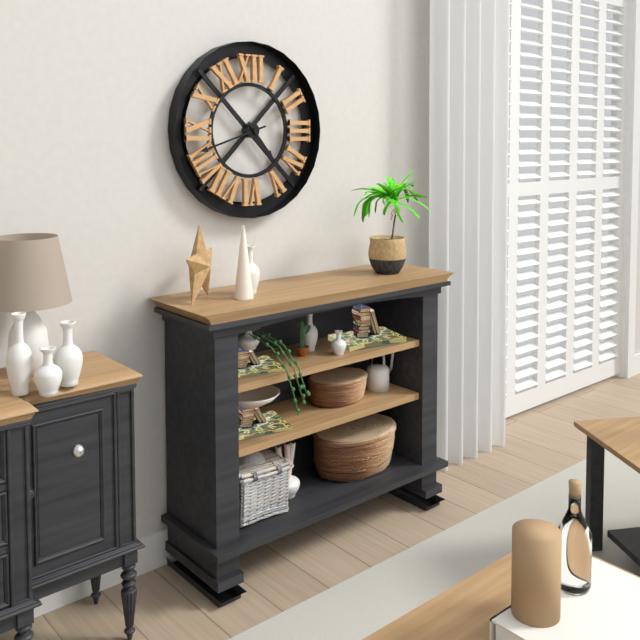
4:42
